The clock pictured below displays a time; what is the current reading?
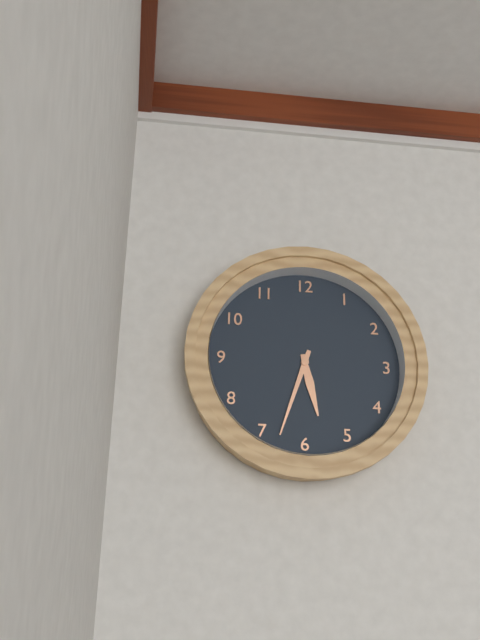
5:33
